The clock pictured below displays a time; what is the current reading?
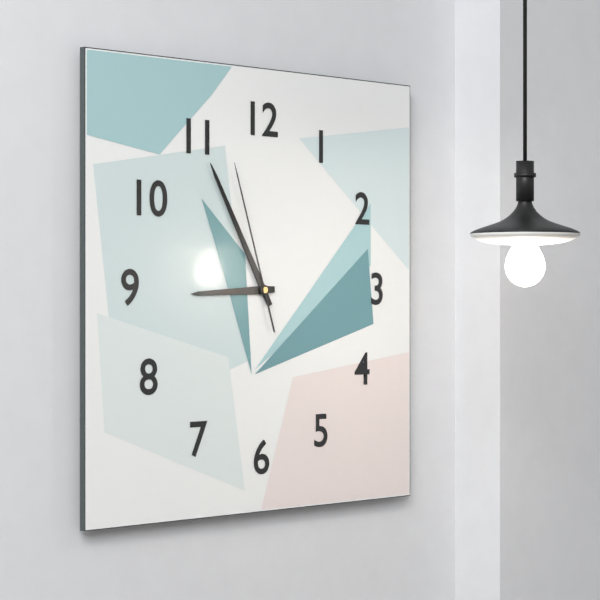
8:55:57
